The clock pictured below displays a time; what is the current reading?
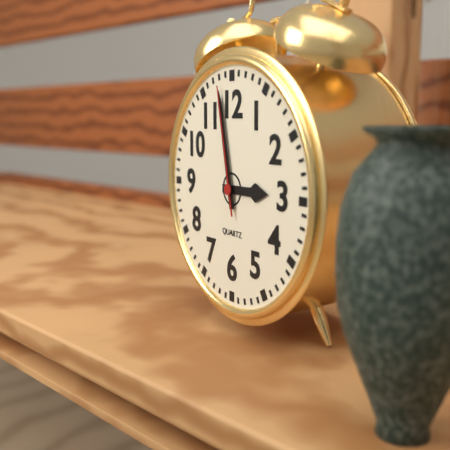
2:58:58
